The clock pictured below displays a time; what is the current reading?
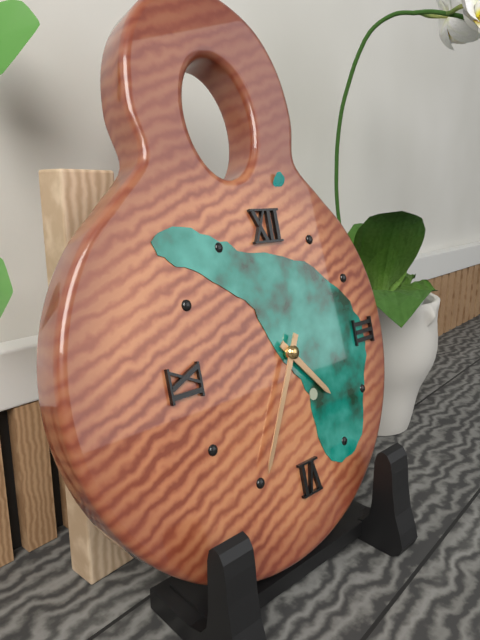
4:35
